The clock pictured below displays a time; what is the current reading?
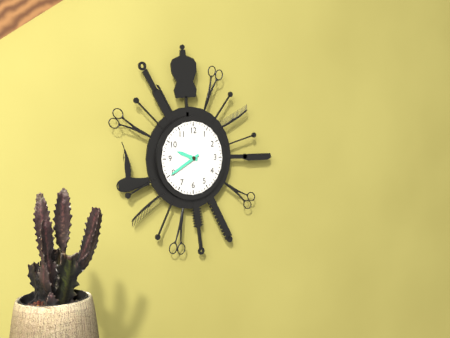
9:40
